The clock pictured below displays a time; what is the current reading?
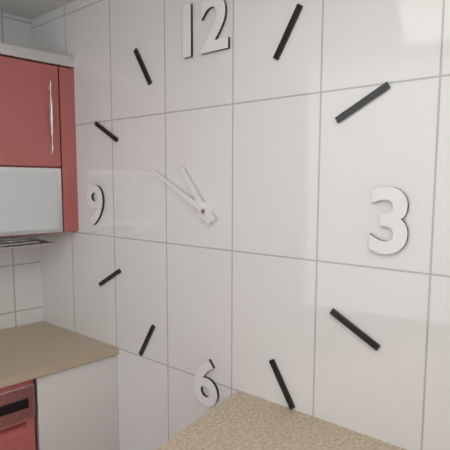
10:50
